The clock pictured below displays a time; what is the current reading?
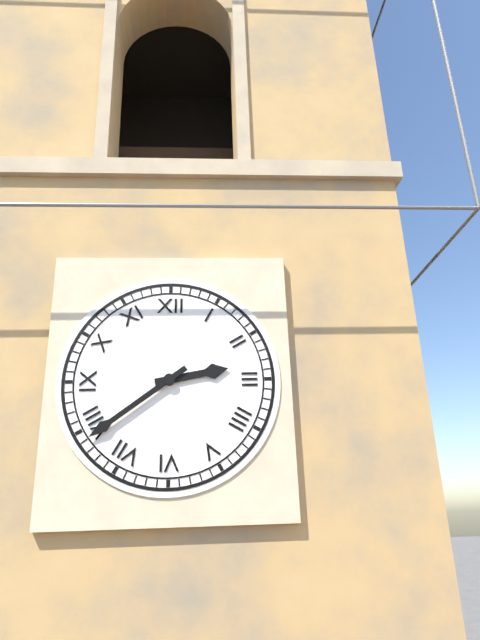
2:39
